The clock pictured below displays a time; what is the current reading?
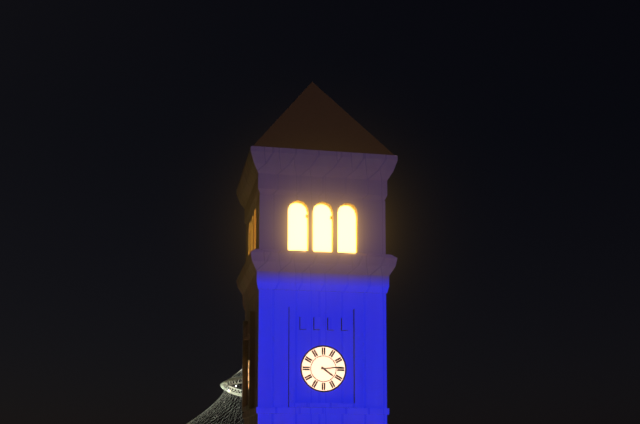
4:14
